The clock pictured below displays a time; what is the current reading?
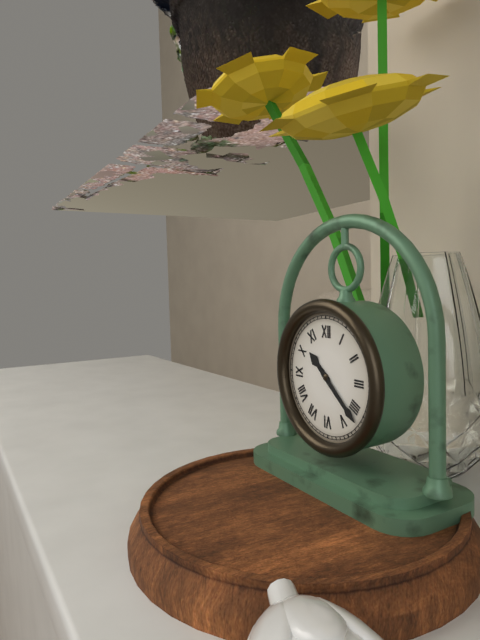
10:22
